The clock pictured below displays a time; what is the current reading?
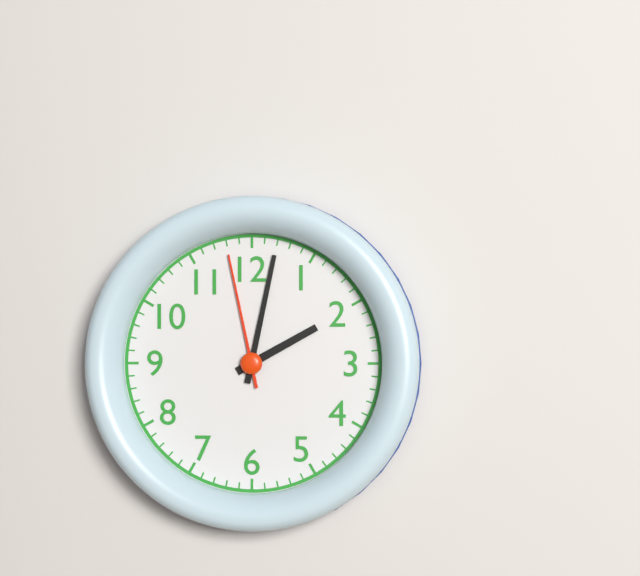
2:02:58
